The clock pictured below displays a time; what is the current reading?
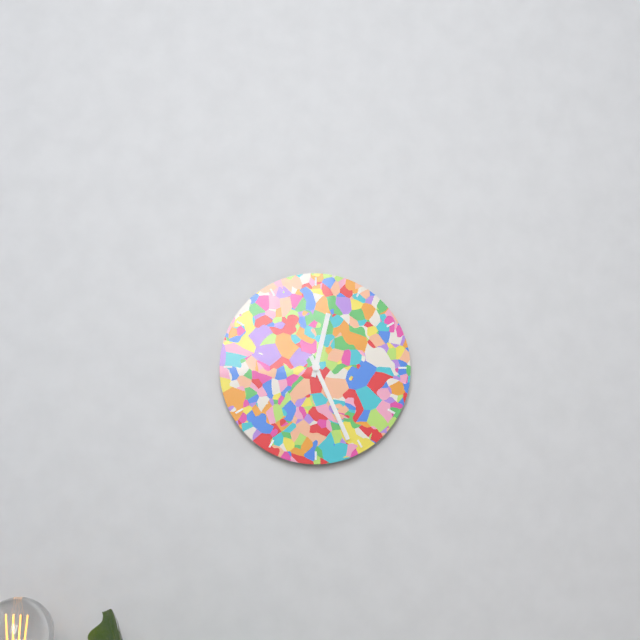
12:26
